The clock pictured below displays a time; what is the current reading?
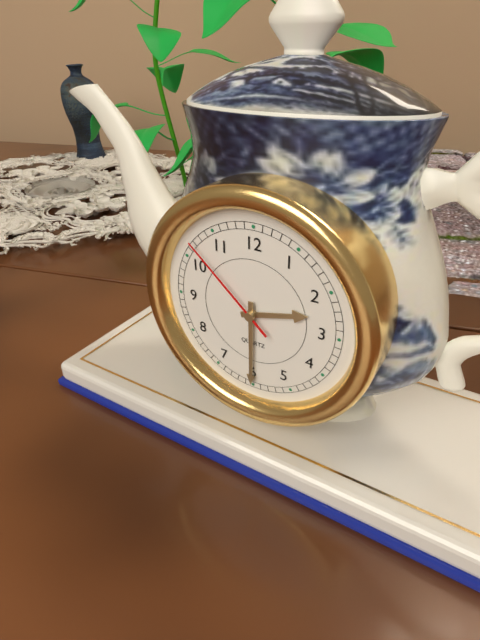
2:30:52
